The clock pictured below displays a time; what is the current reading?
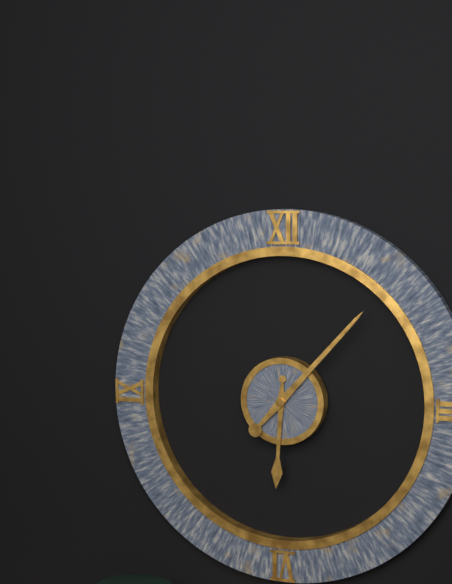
6:07
